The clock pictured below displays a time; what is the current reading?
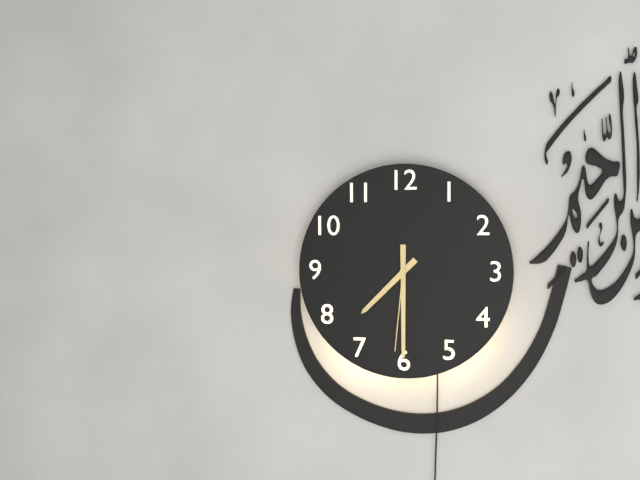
7:30:31
